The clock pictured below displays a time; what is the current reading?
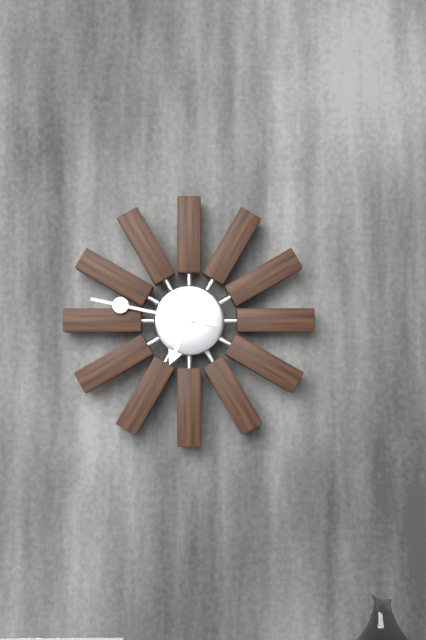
6:47
